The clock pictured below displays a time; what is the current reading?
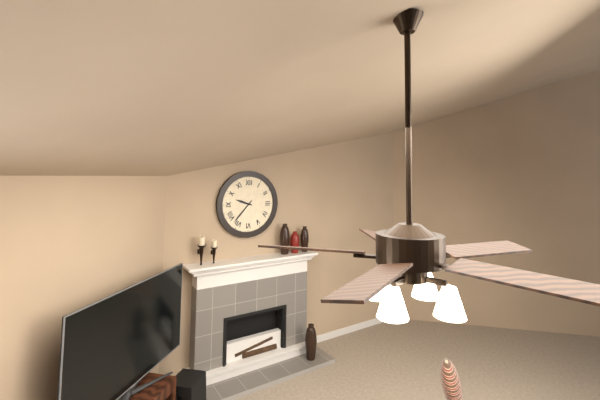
9:37
